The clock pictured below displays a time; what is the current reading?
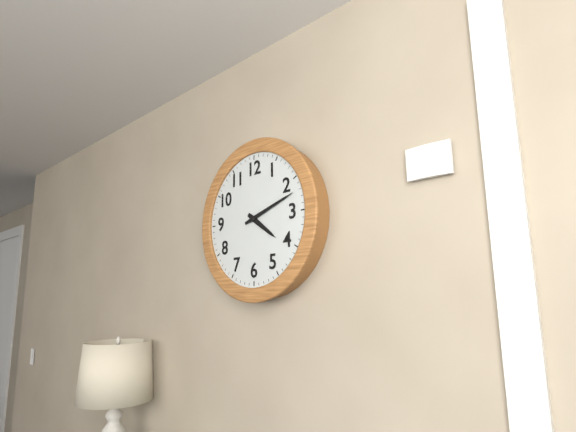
4:12
